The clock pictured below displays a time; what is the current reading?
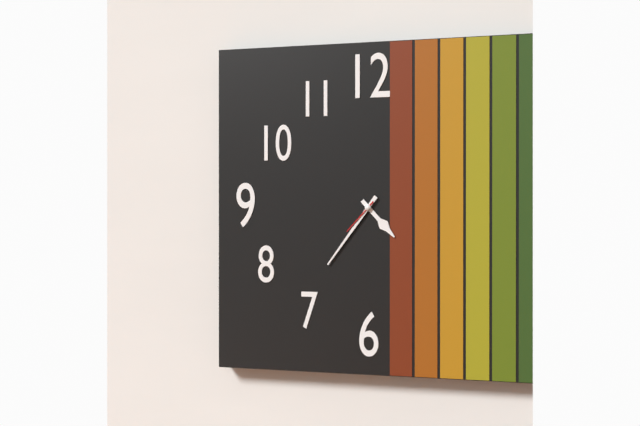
4:36
